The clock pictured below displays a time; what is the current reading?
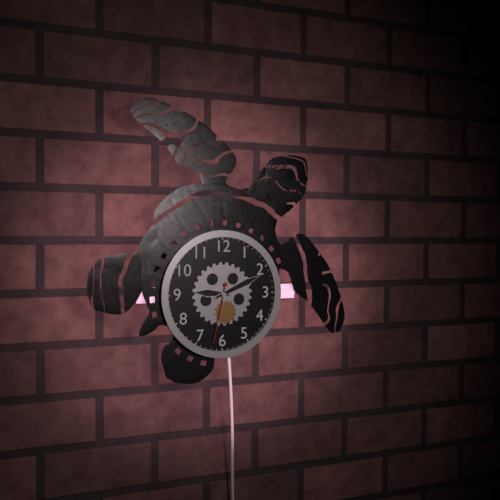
9:11:32
